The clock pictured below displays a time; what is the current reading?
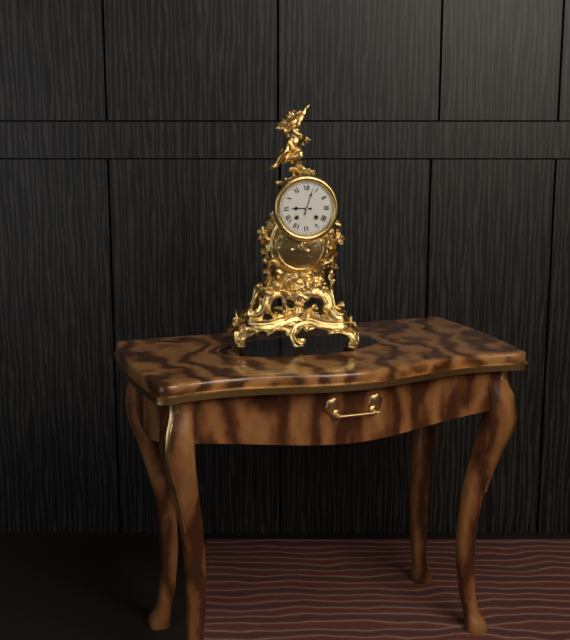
9:03
